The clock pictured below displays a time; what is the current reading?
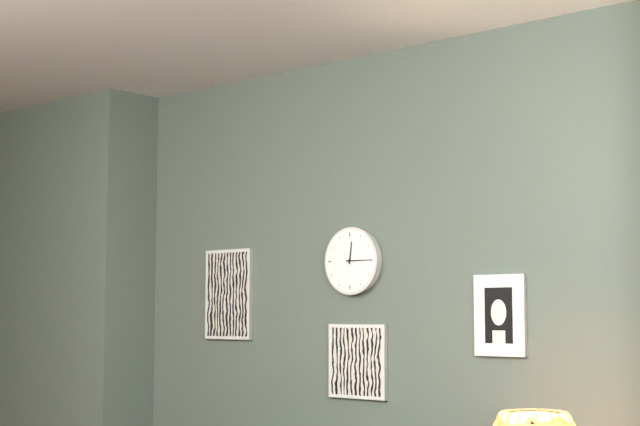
12:15
